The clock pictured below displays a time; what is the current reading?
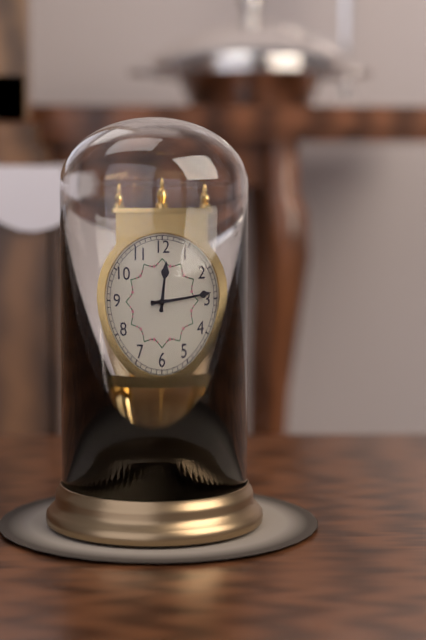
12:14
